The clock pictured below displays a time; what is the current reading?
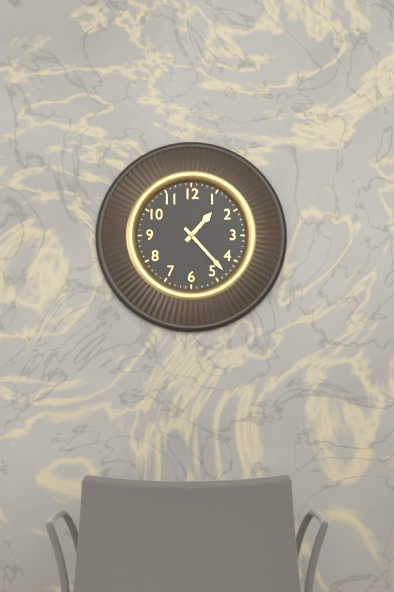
1:23
